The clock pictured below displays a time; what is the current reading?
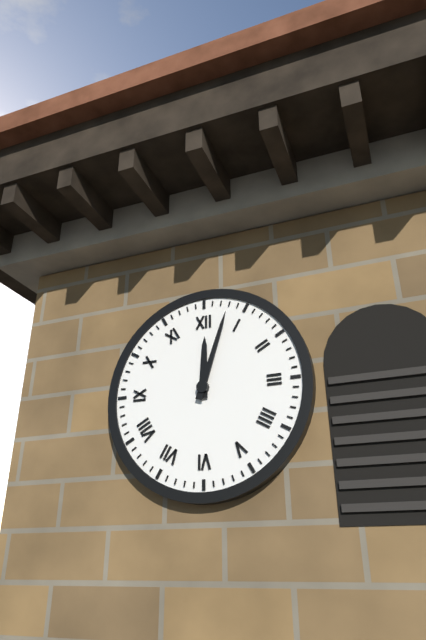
12:03
